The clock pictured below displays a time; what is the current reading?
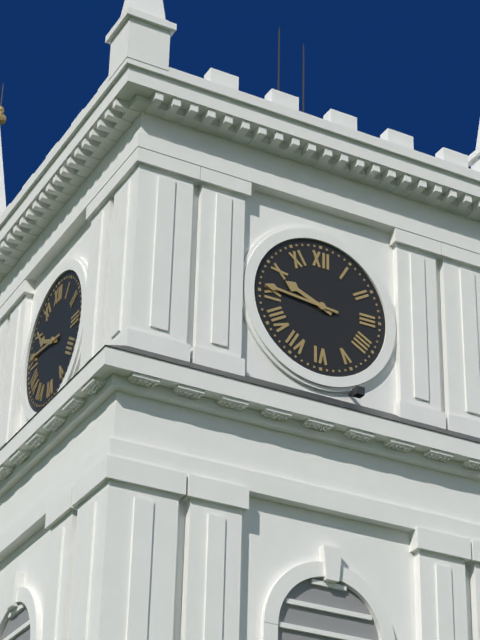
9:46
